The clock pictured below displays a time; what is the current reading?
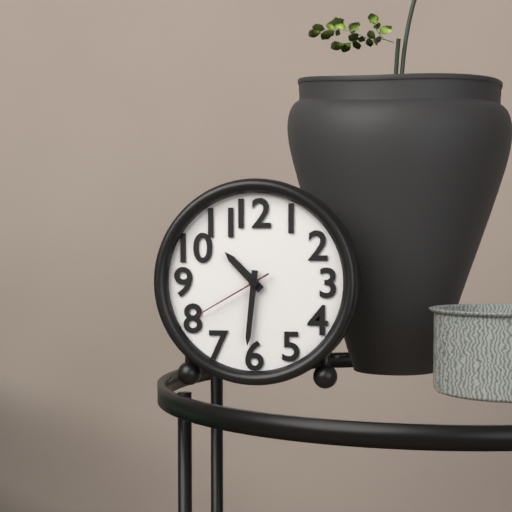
10:31:40
